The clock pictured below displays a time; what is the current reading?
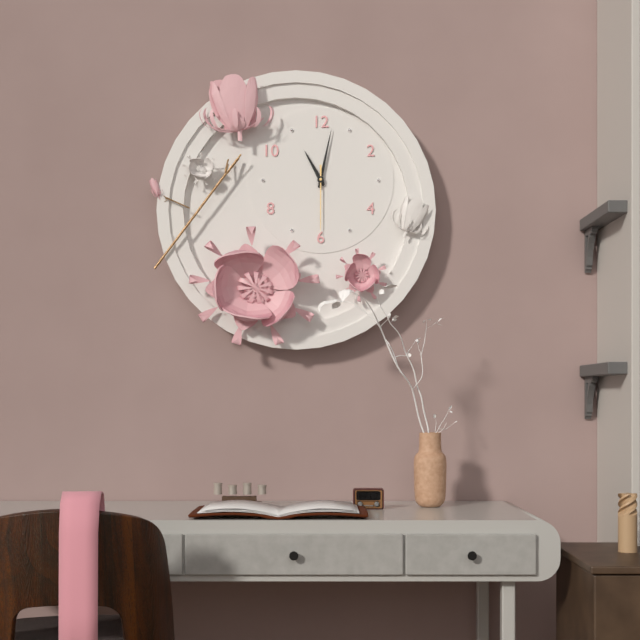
11:02:30
